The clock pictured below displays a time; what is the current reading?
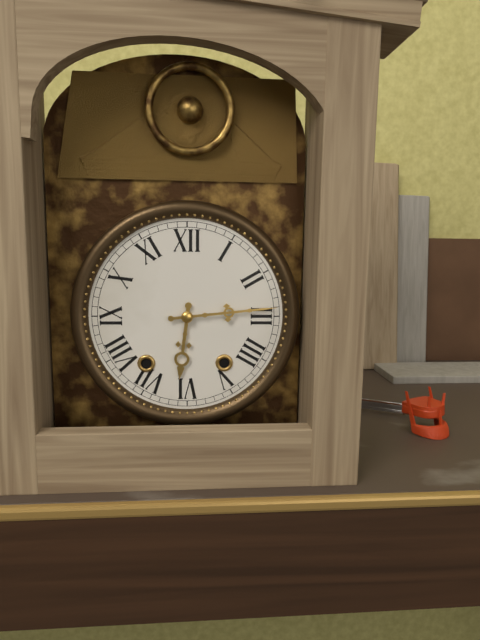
6:14
